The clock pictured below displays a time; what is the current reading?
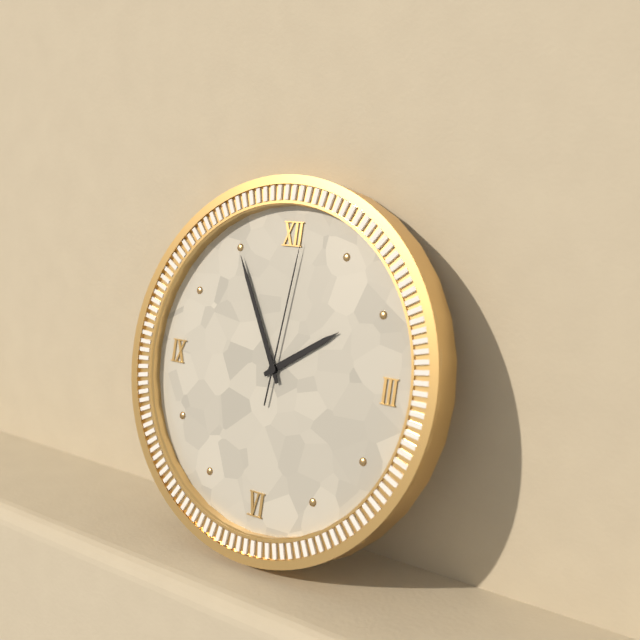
1:55:01
